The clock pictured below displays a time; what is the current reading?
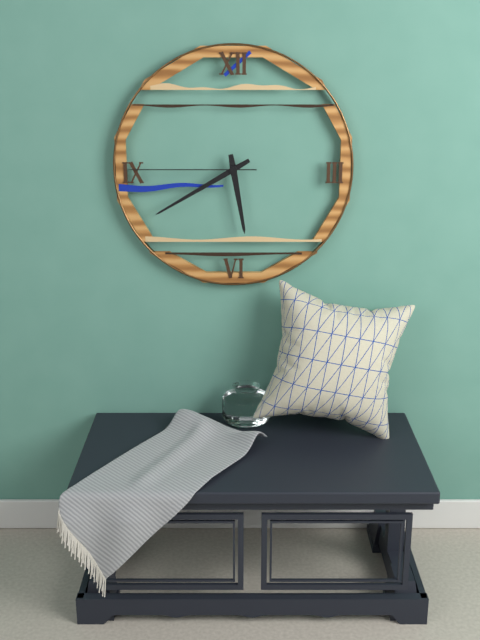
5:40:45
